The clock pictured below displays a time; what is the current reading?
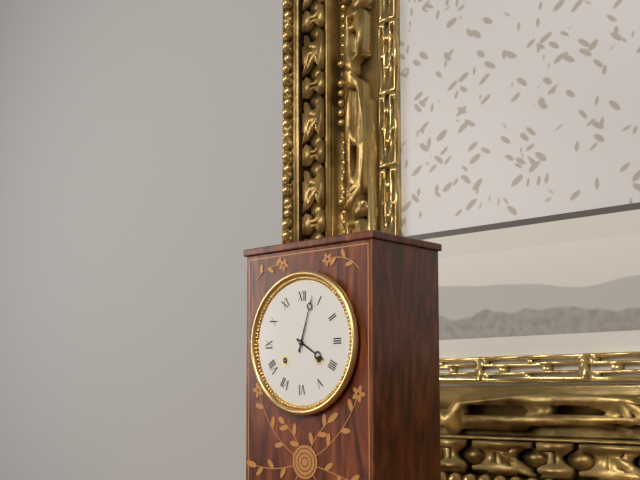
4:03
